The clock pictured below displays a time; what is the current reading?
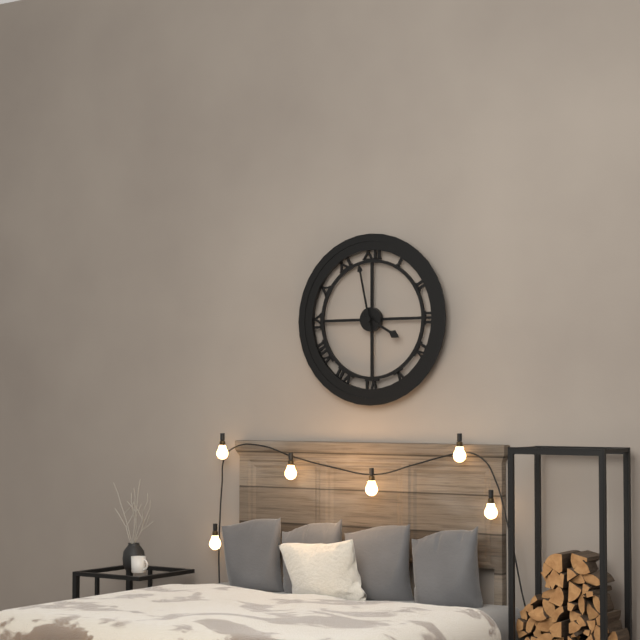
3:58
